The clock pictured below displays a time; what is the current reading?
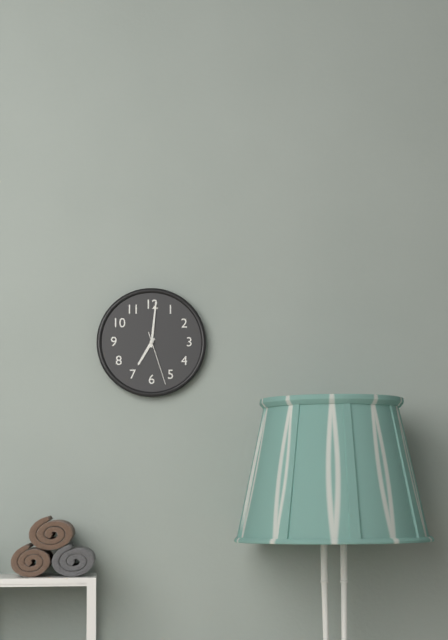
7:01:27
